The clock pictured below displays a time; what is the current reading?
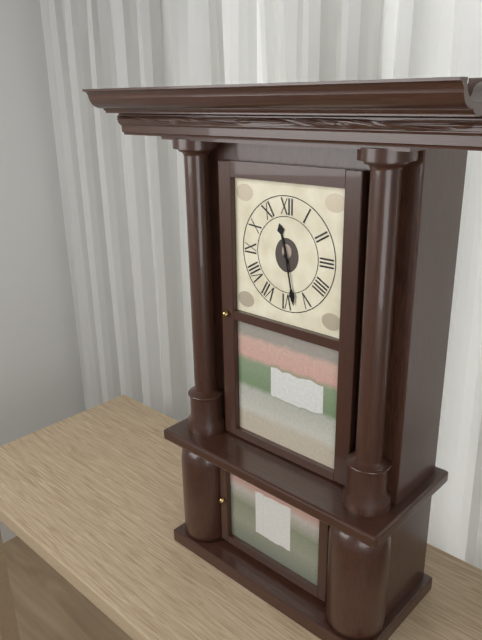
11:28
